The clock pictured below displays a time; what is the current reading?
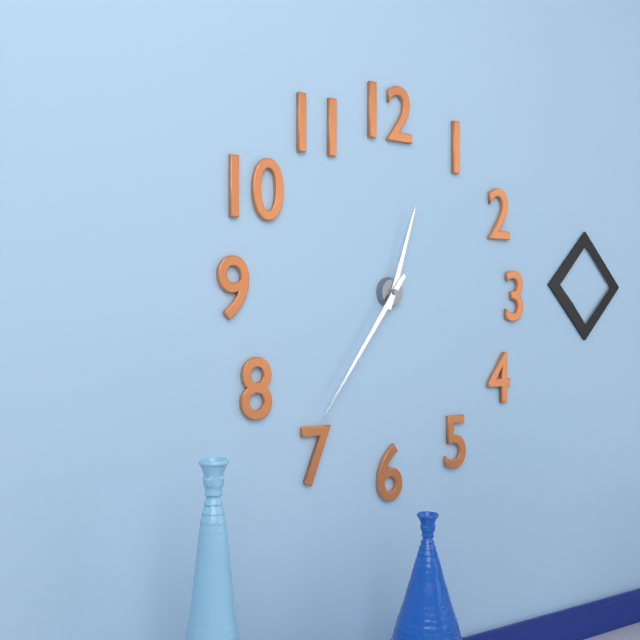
12:36
